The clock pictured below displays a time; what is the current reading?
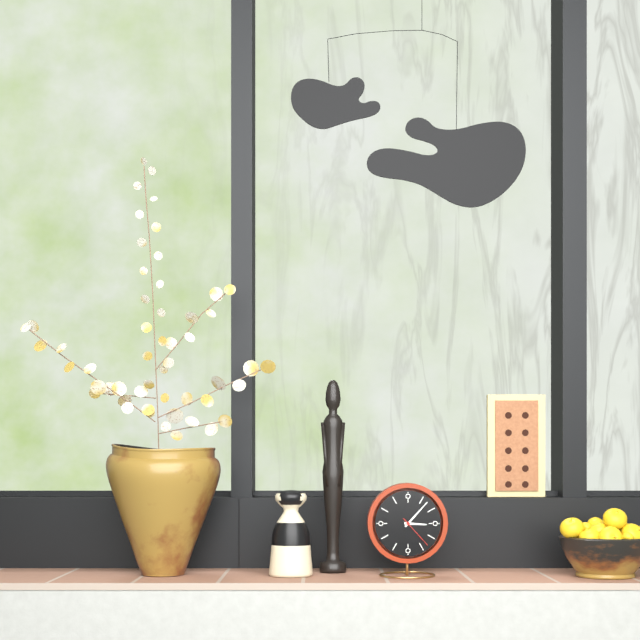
3:07
